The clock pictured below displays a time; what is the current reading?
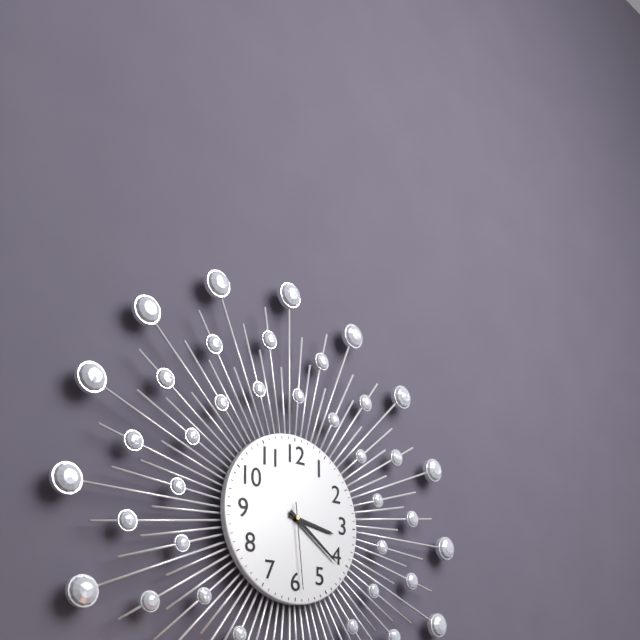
3:21:29
